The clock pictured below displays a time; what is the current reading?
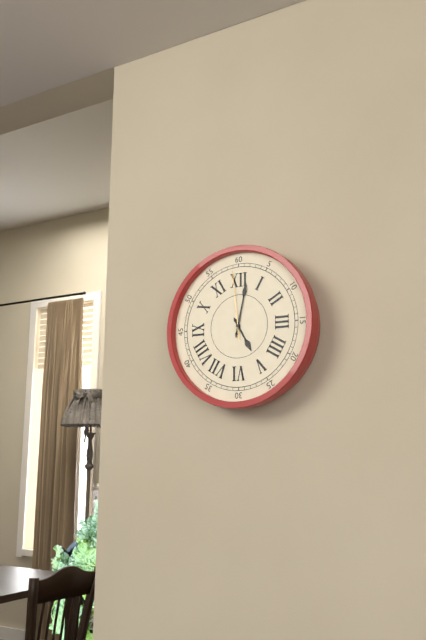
5:02:59
